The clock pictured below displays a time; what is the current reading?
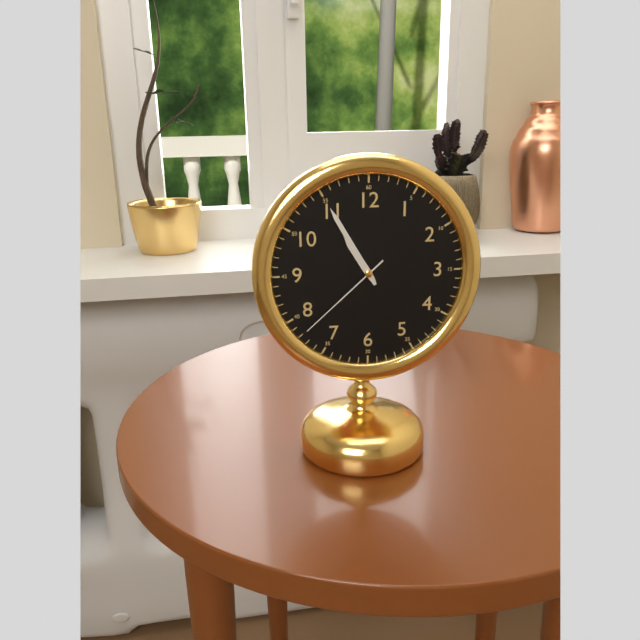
10:55:38
